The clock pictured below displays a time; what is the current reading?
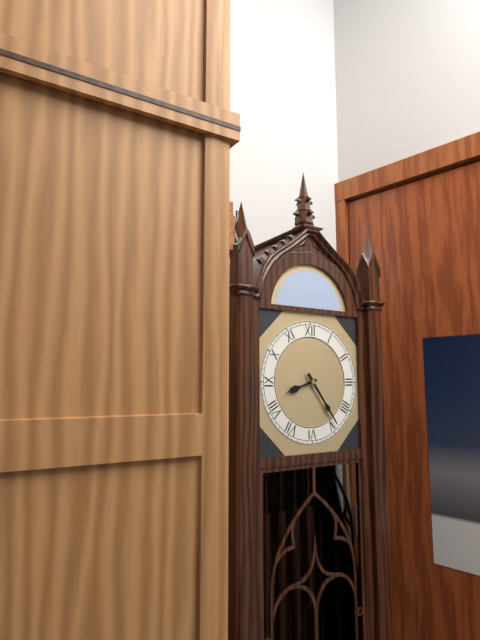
8:24
